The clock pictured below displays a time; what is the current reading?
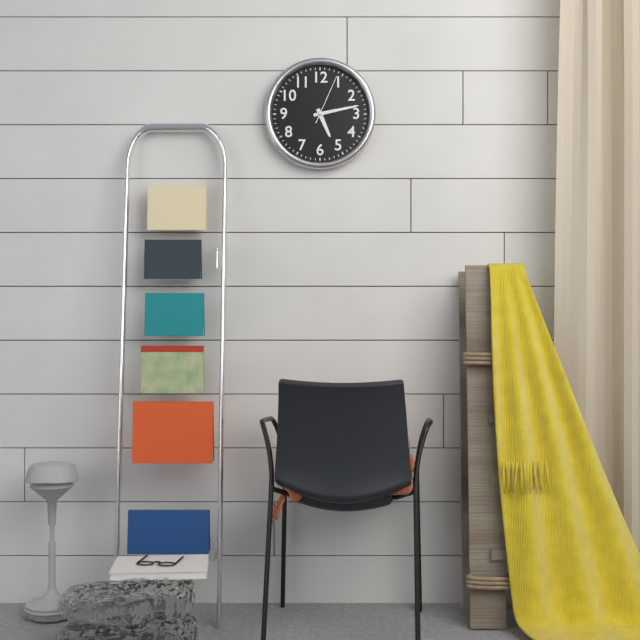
5:13:04
